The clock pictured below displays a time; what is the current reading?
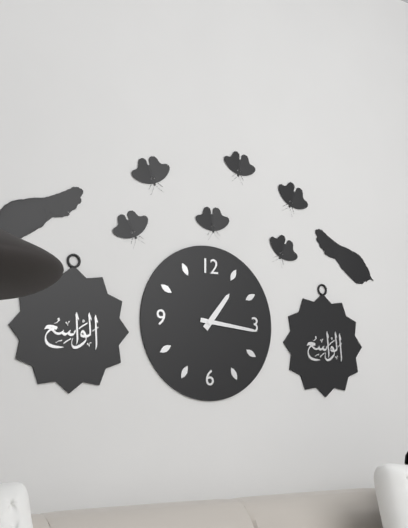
1:16
